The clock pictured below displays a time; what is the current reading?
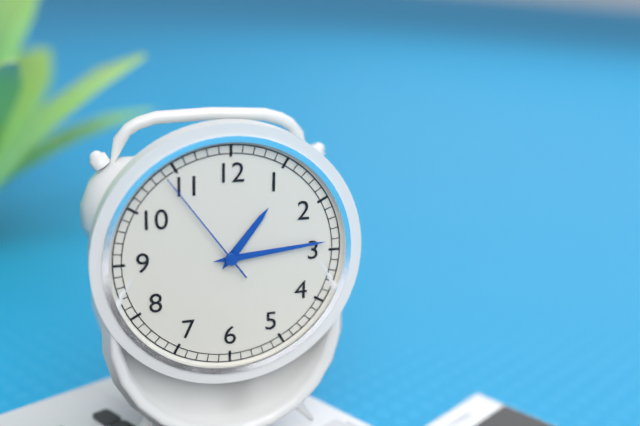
1:14:54
